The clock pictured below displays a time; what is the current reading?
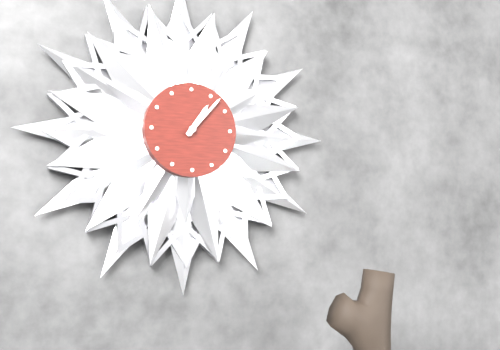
1:07
